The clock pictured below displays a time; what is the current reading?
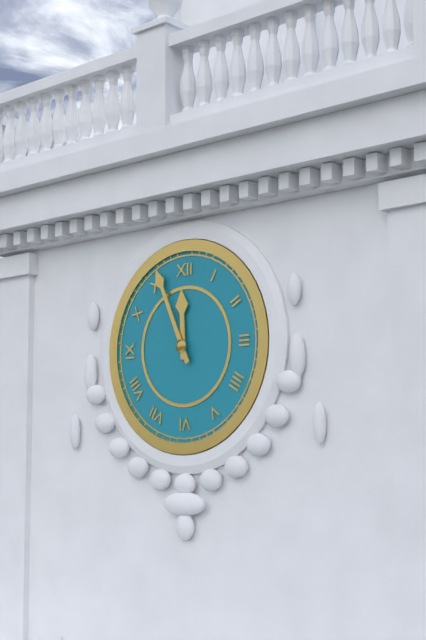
11:56
